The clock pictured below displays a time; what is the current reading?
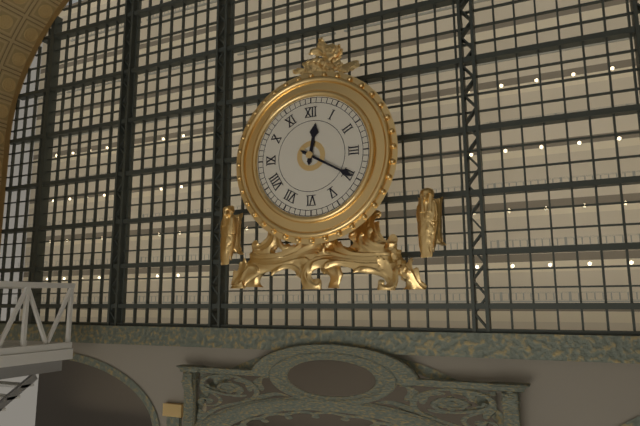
12:20
